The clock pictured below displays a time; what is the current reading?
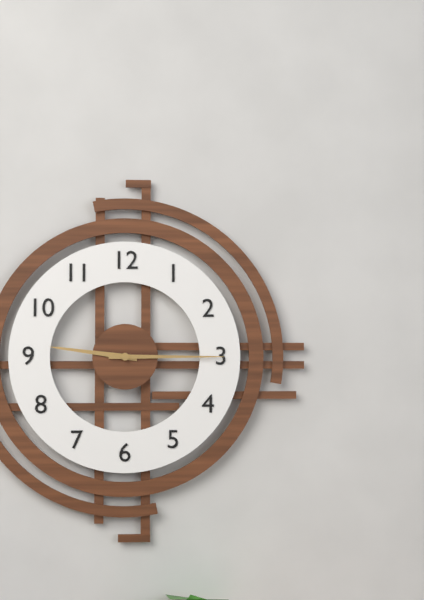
9:15
